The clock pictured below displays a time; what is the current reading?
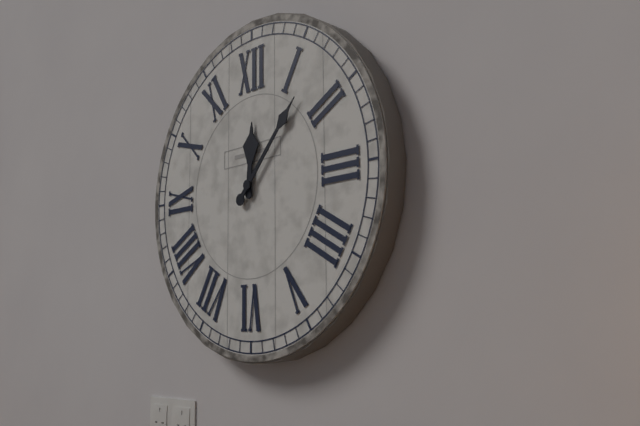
12:07
